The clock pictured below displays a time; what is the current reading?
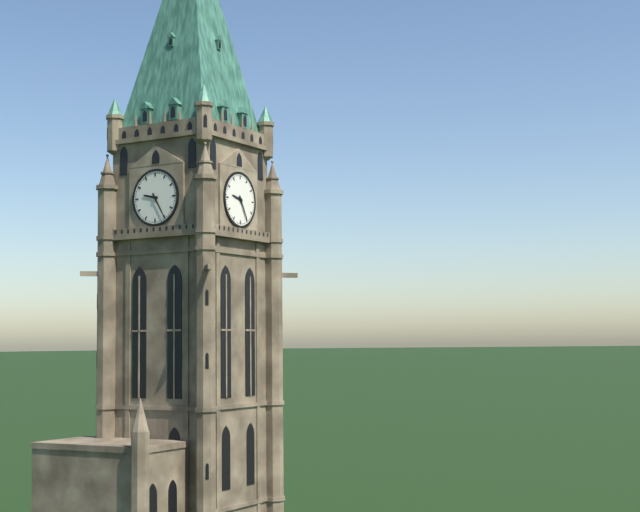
9:25
